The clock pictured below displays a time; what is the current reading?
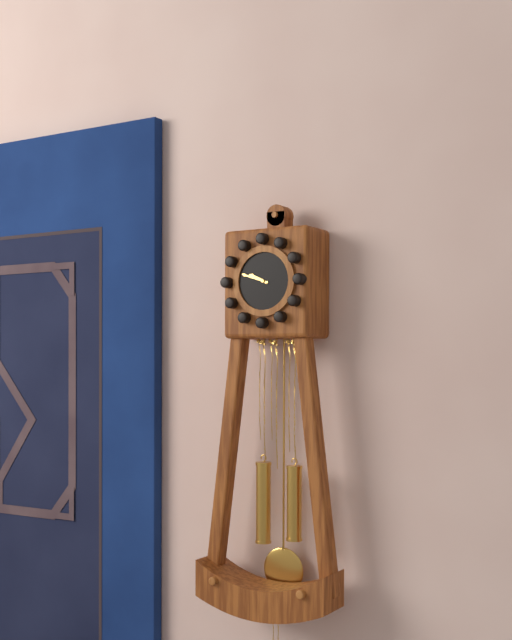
9:48
